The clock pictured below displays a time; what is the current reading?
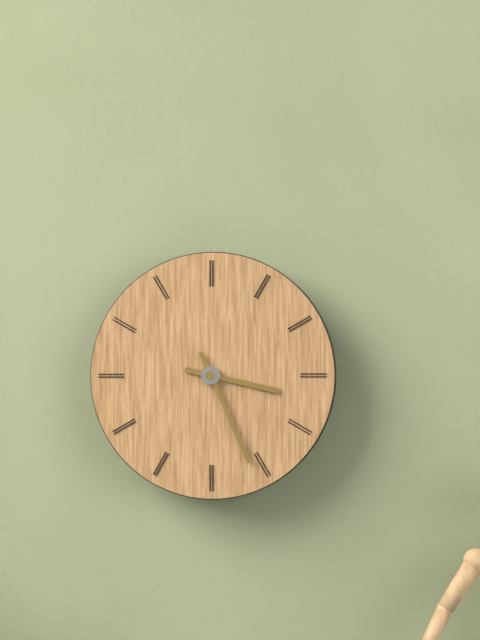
3:26
